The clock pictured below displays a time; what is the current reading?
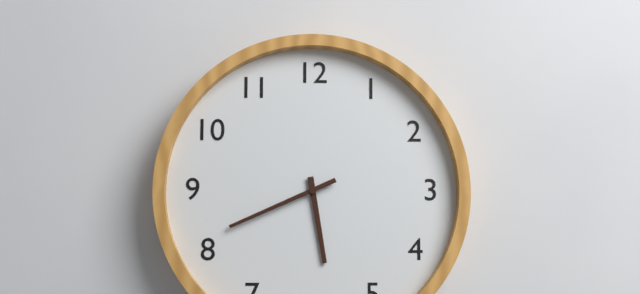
5:41
